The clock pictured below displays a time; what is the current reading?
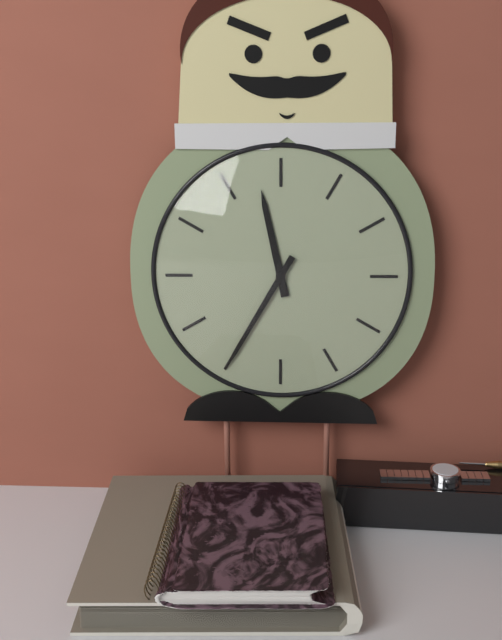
11:35
